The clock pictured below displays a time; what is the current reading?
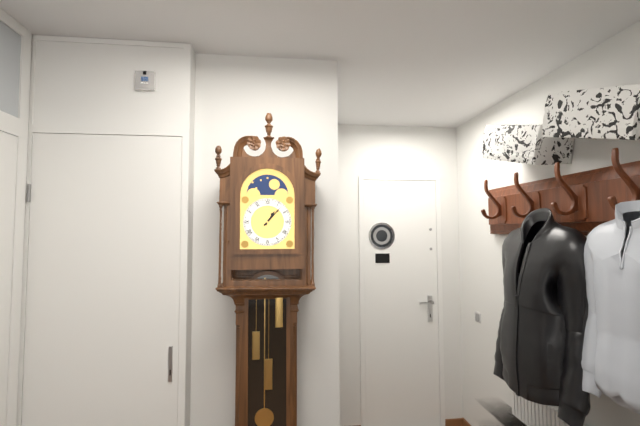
1:07
